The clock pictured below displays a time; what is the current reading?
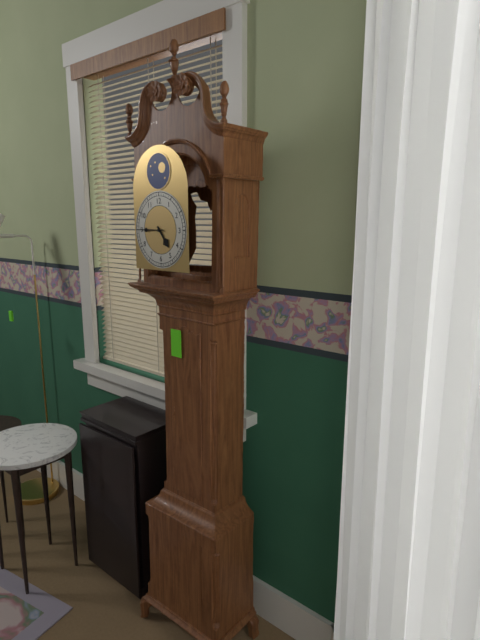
4:45
